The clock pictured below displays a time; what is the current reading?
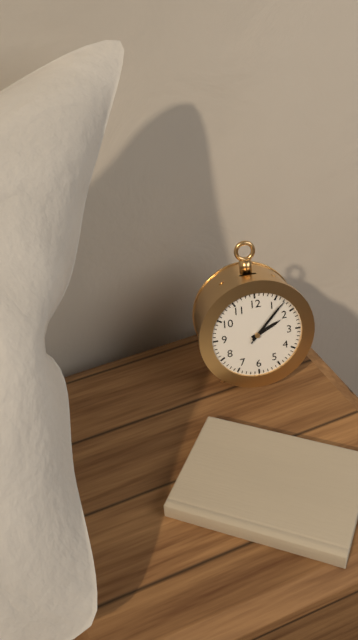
2:07:07
